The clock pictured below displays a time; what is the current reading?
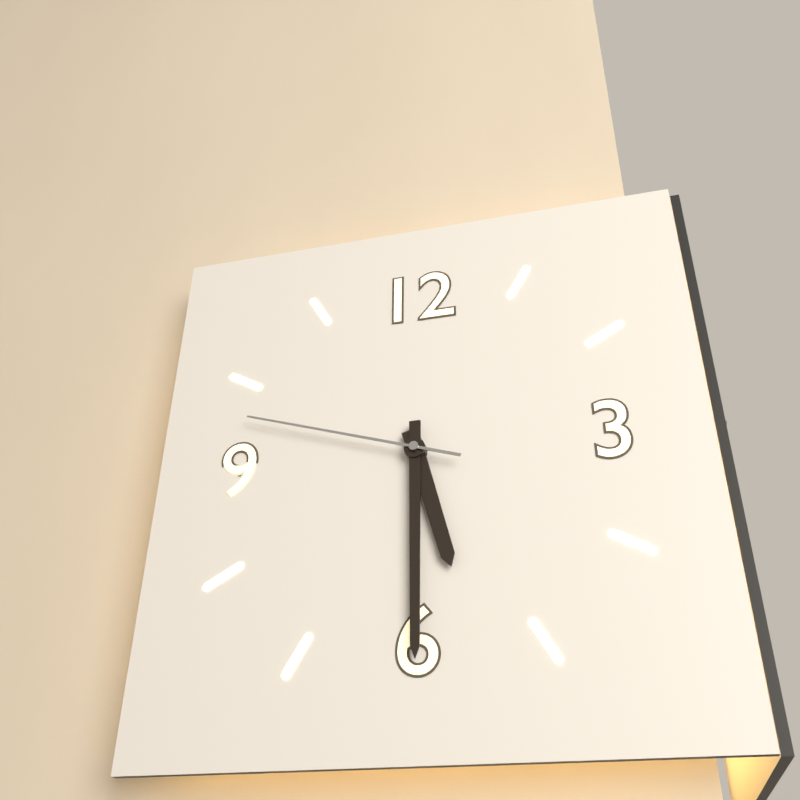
5:30:48
